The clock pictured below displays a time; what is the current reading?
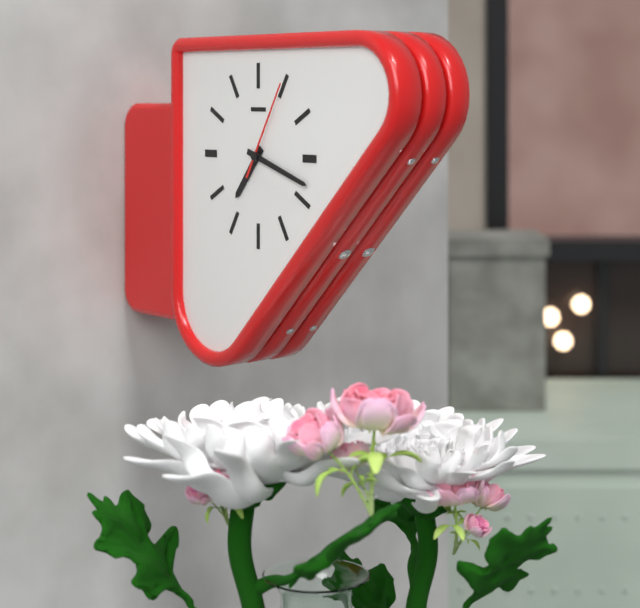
7:18:05
